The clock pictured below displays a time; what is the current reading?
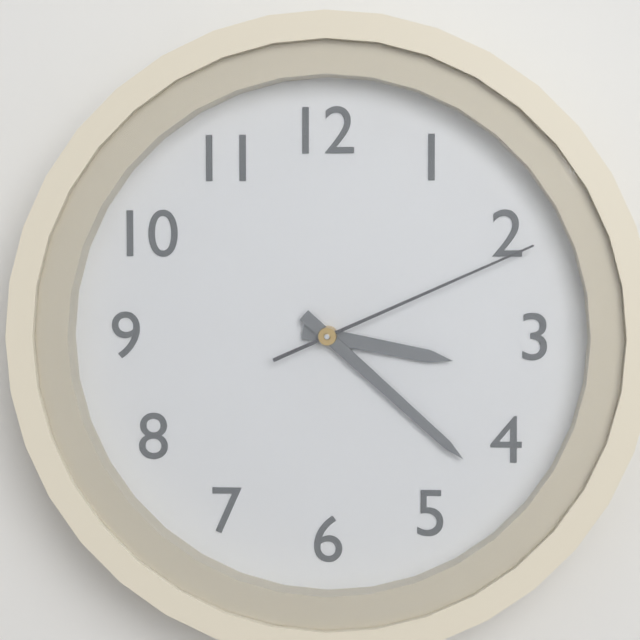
3:22:11
